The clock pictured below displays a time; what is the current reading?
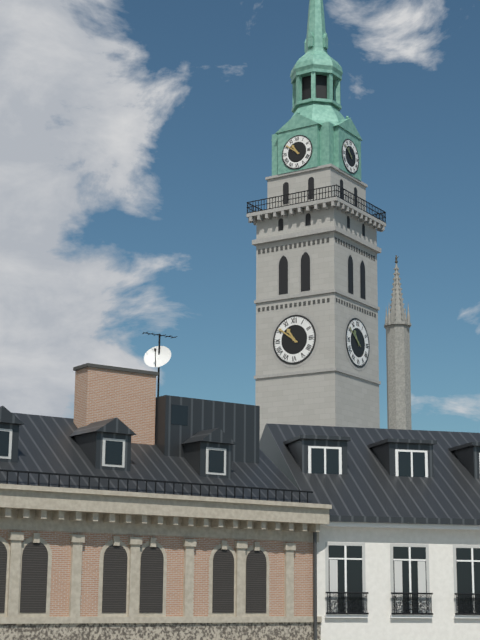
10:51
